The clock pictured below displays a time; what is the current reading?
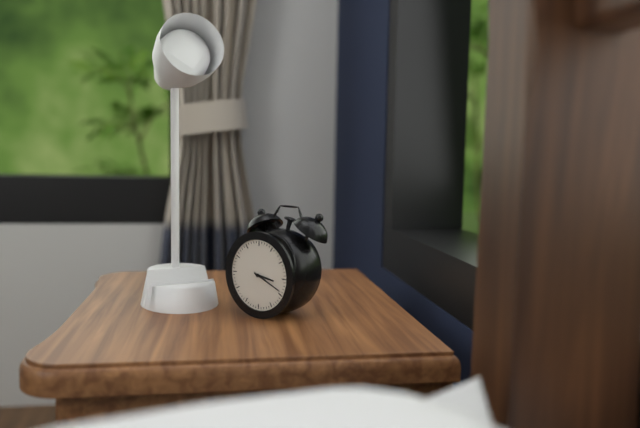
3:19
